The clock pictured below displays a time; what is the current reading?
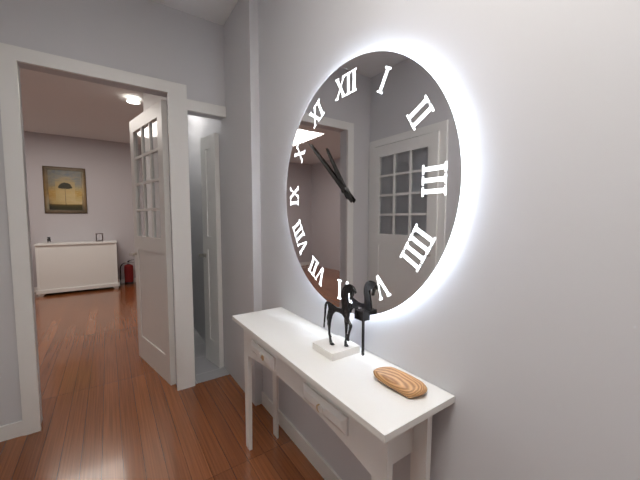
10:52
